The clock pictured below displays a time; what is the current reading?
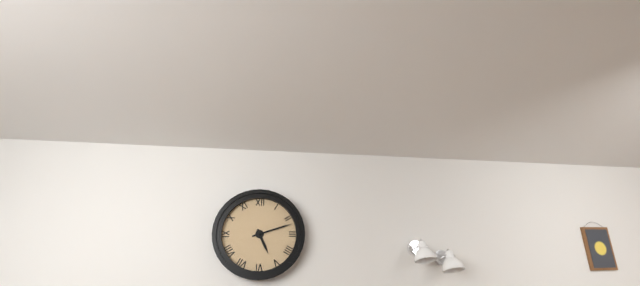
5:12
